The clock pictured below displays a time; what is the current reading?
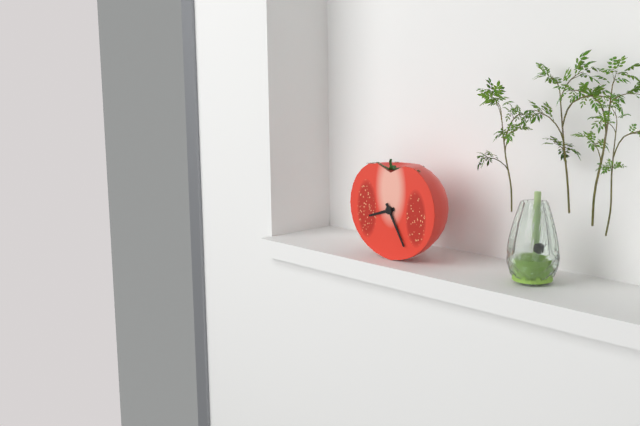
8:25
